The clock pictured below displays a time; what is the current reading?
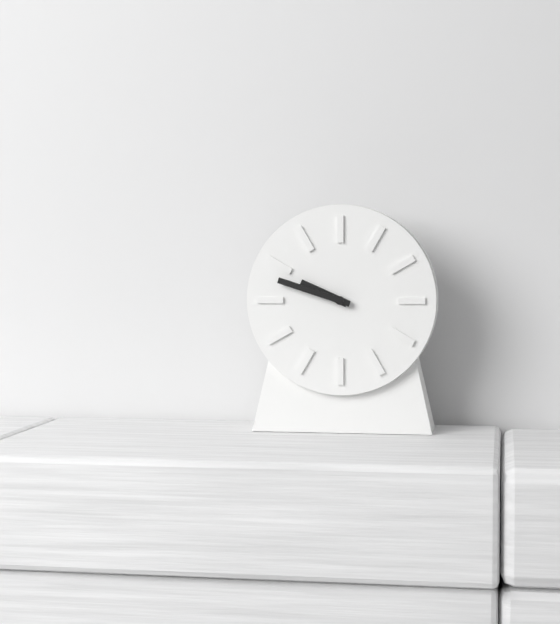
9:48
